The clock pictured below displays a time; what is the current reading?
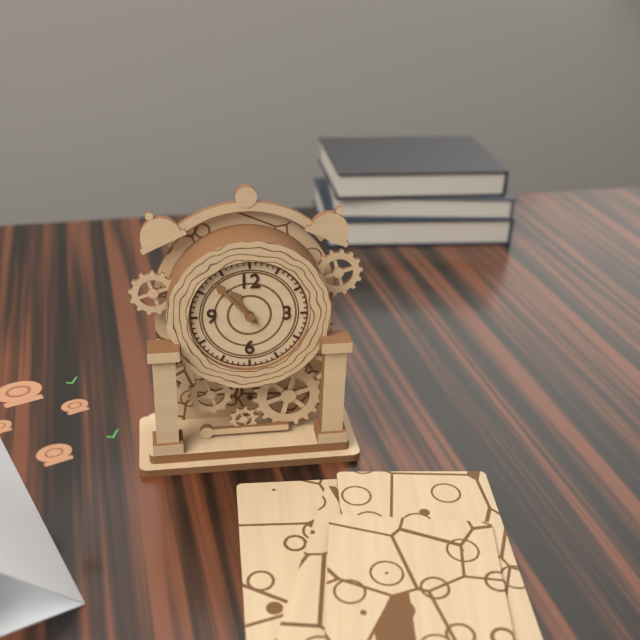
10:53
